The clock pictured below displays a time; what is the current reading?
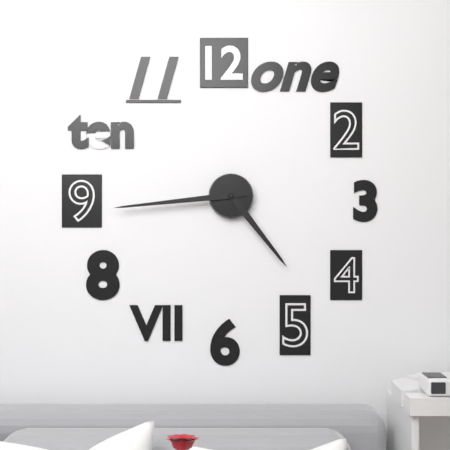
4:44
